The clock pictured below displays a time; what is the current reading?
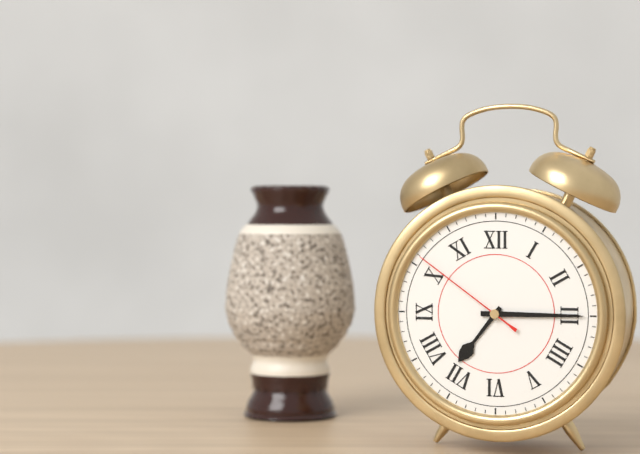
7:15:51
